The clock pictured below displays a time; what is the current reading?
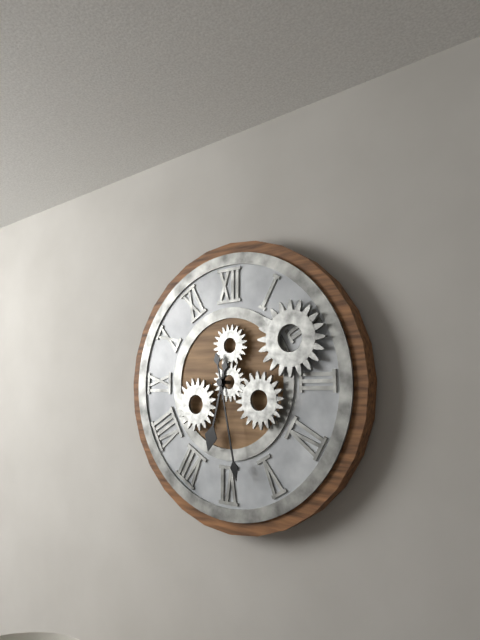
6:28
